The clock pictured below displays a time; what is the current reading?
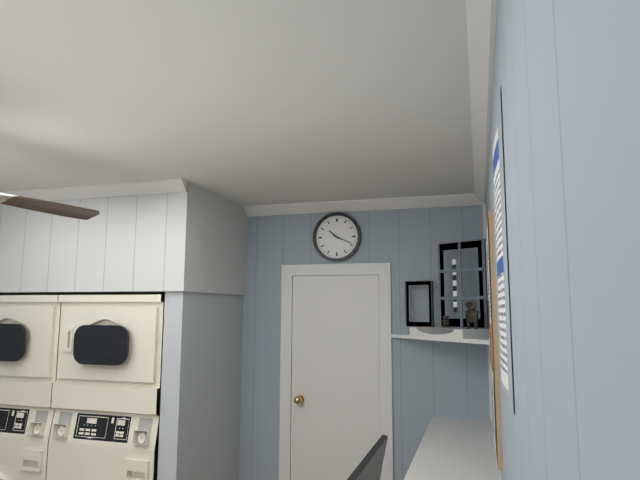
10:19
